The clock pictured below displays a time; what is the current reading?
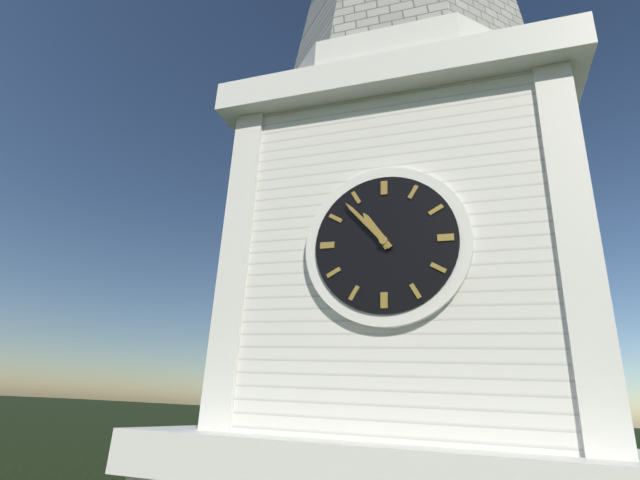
10:53
